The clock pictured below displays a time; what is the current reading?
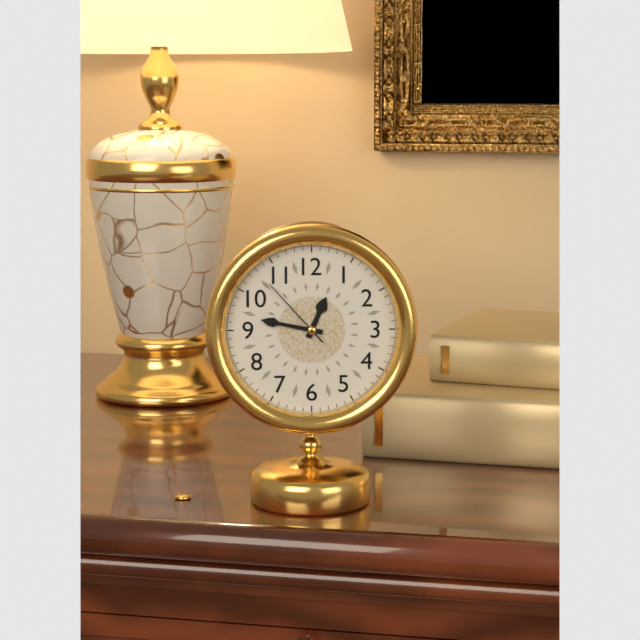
12:47:53
